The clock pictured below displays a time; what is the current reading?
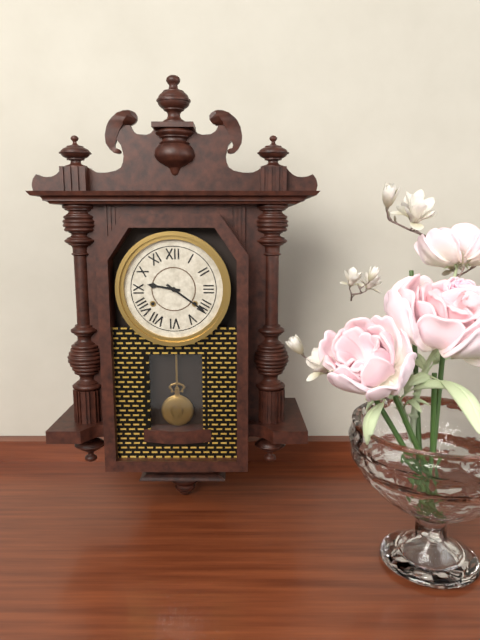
9:21
